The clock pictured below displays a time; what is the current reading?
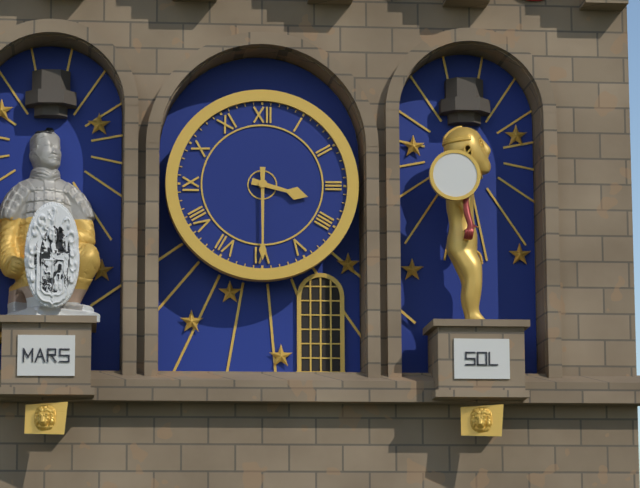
3:30
